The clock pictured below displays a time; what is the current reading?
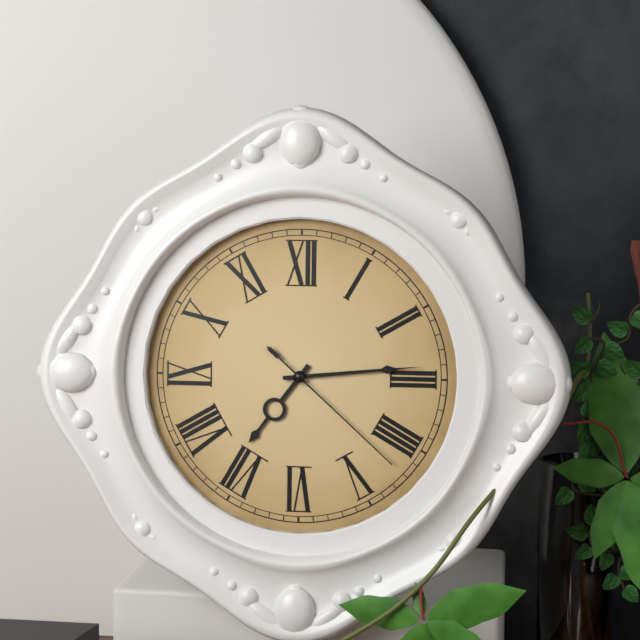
7:14:22
